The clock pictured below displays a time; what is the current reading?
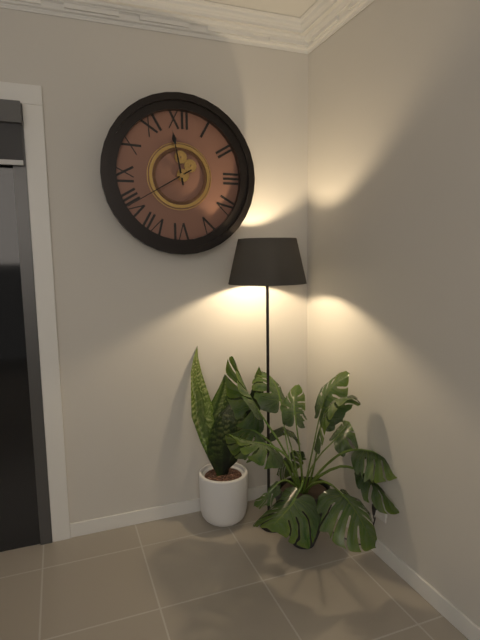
11:40
